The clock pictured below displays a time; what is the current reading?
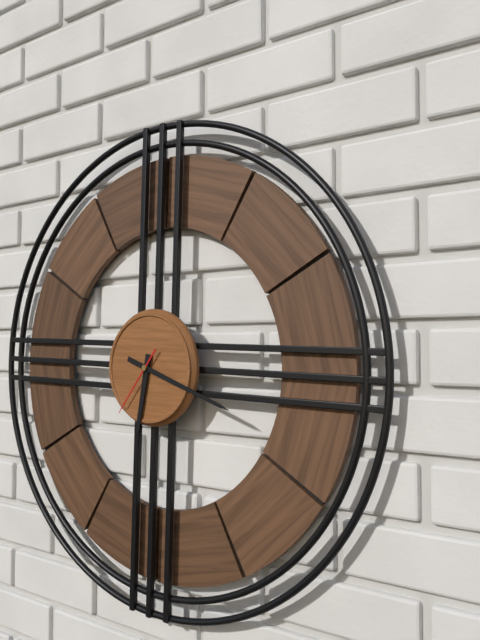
6:18:36
